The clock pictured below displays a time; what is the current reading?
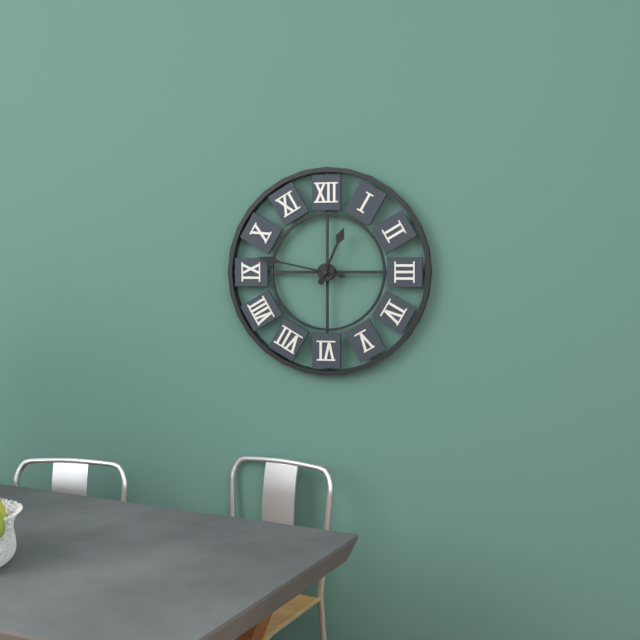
12:47
